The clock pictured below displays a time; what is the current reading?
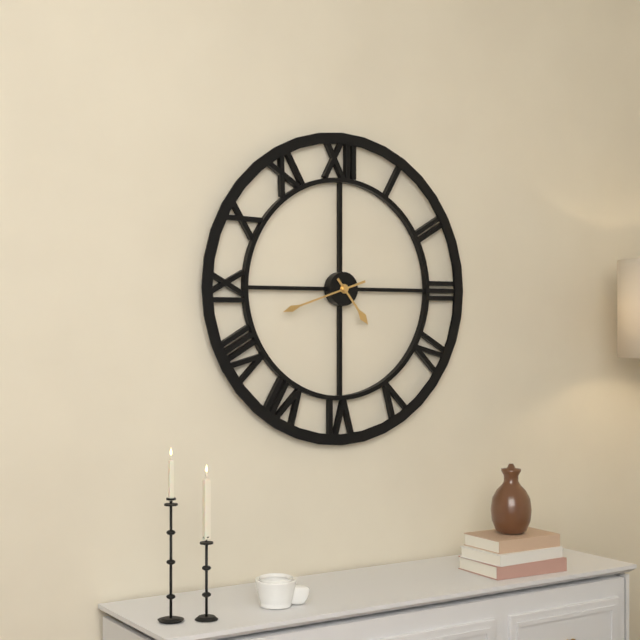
4:42
